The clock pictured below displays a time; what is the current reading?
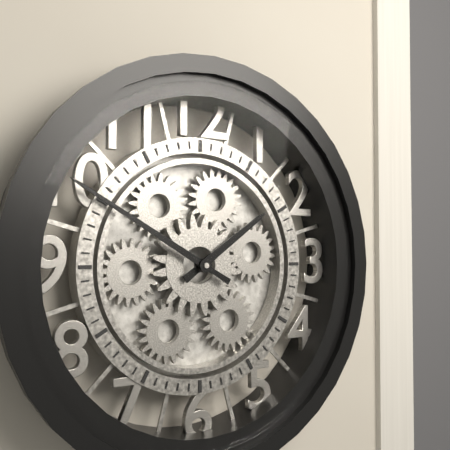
1:50
